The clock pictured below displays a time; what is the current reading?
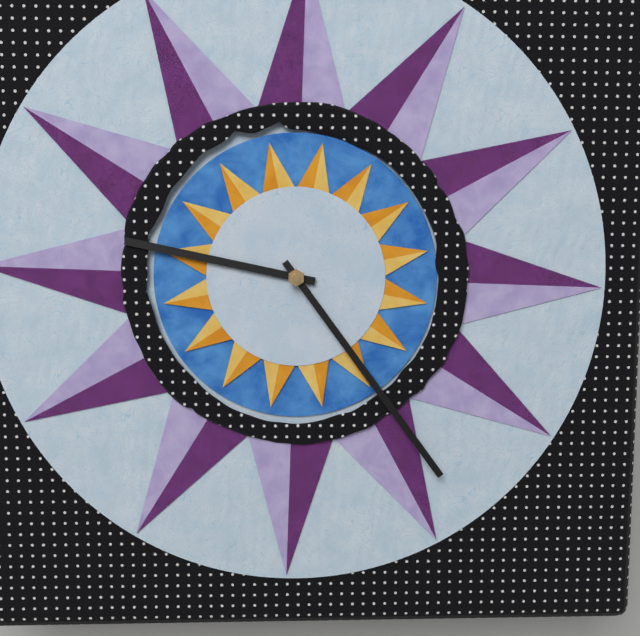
9:24
